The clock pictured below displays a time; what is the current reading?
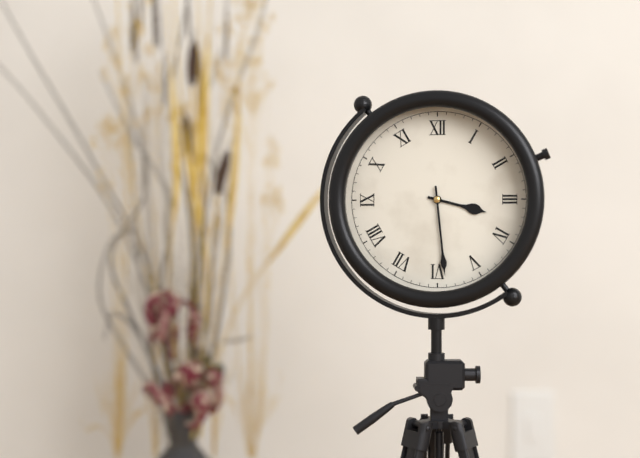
3:29
